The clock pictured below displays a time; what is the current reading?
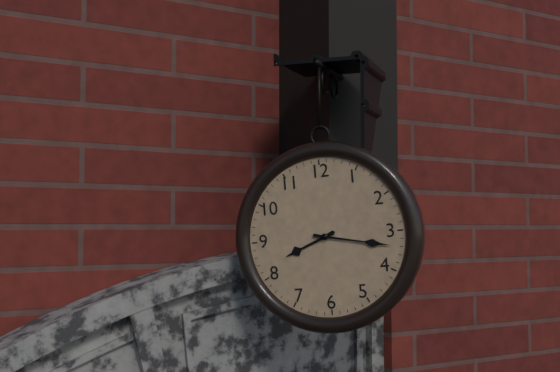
8:17
